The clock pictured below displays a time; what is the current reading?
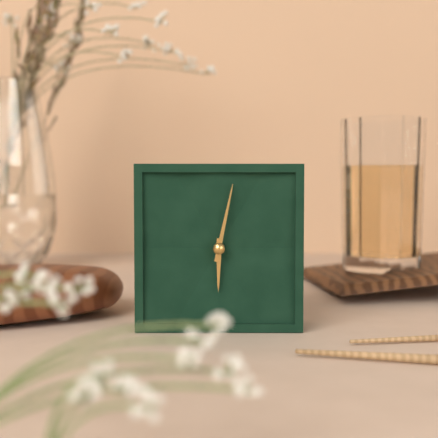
6:02
